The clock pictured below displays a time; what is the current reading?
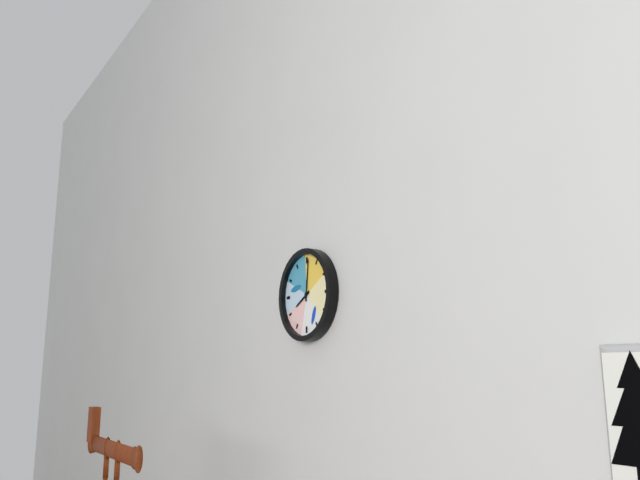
8:01
